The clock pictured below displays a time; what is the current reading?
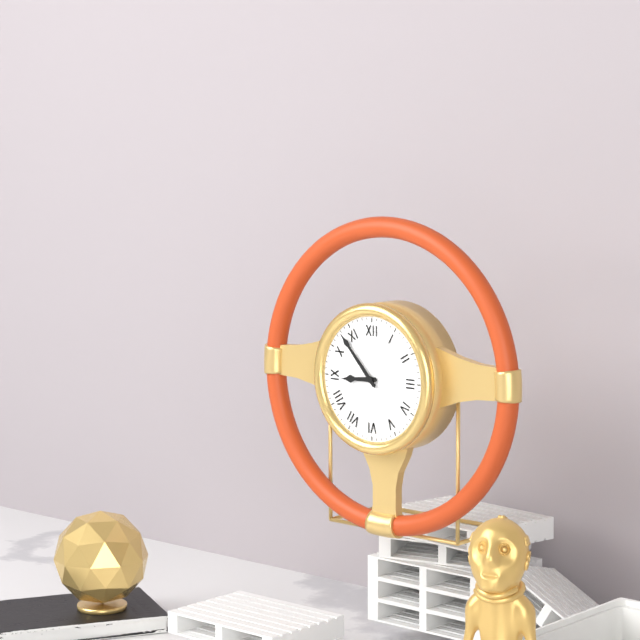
8:53
